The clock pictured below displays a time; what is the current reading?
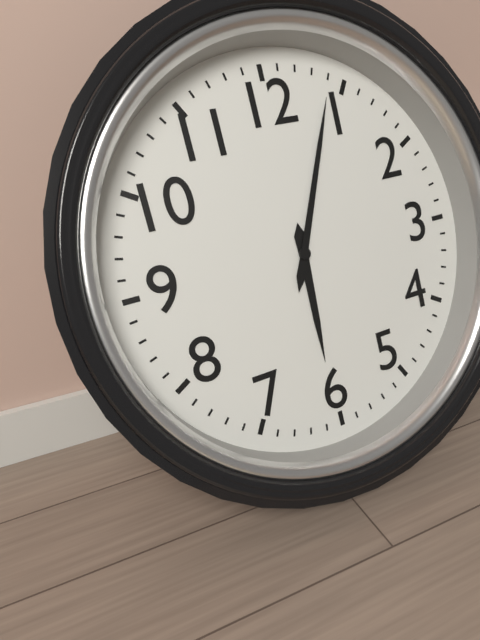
6:04
